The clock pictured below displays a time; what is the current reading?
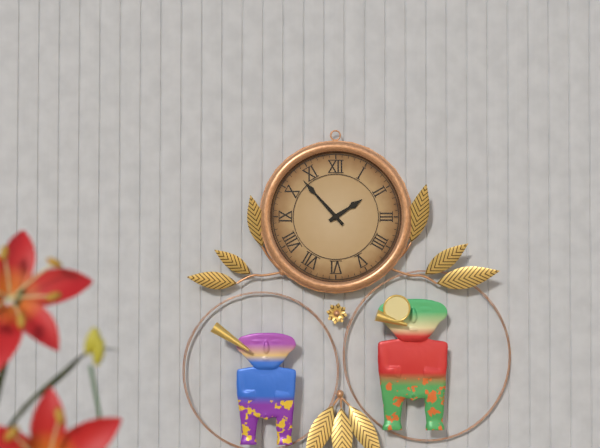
1:53
